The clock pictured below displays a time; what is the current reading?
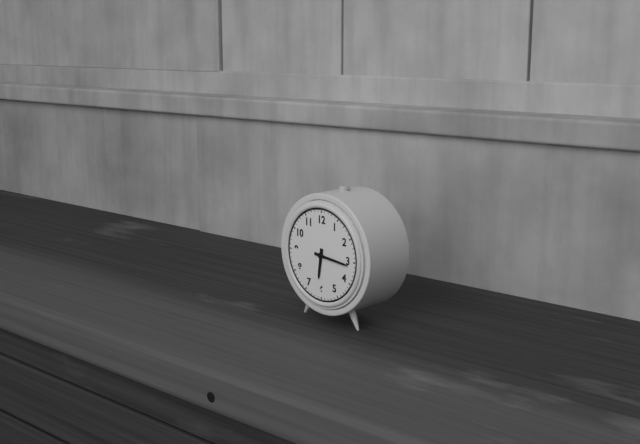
6:16
